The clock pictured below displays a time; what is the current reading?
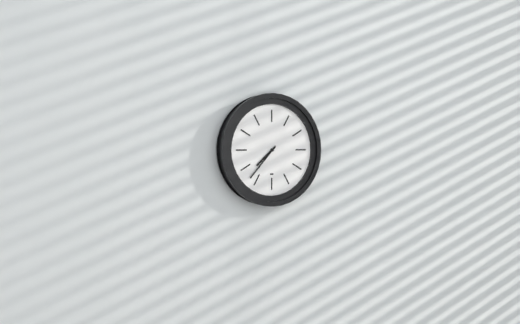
7:37
